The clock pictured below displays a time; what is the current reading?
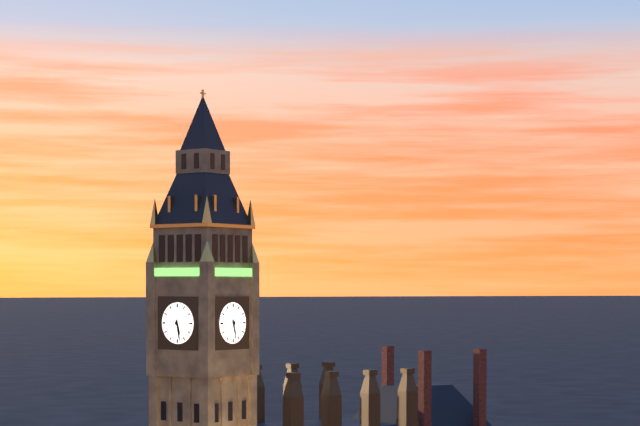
5:28
